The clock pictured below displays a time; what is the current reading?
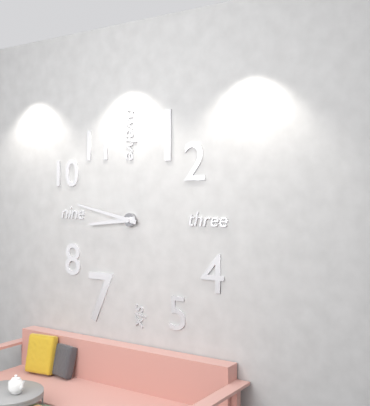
8:47
